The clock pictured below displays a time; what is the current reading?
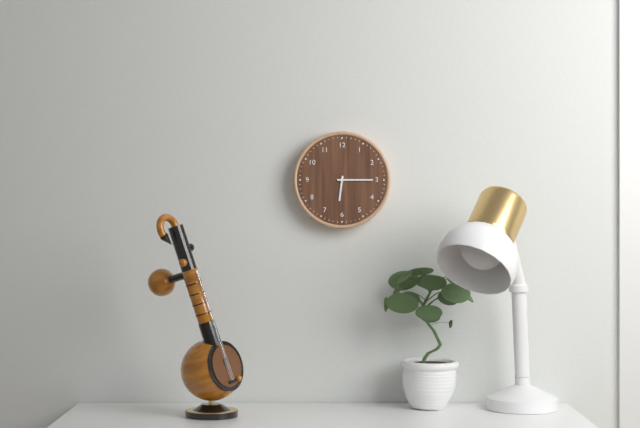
6:15
